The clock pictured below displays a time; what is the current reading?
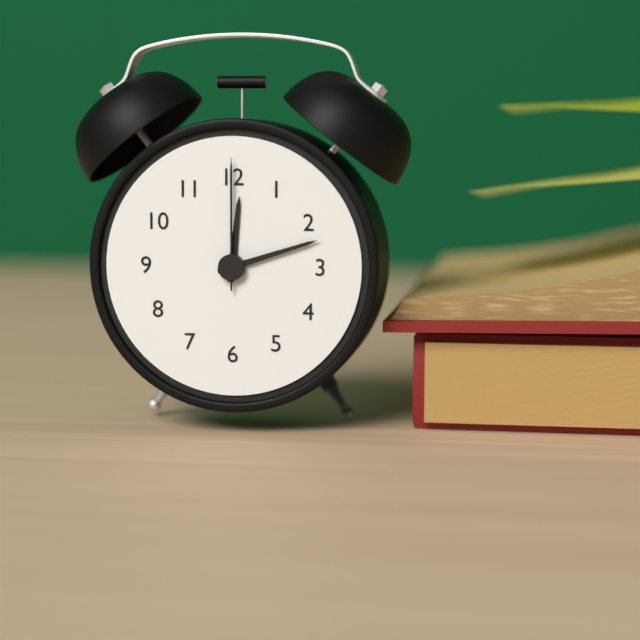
12:12:00
